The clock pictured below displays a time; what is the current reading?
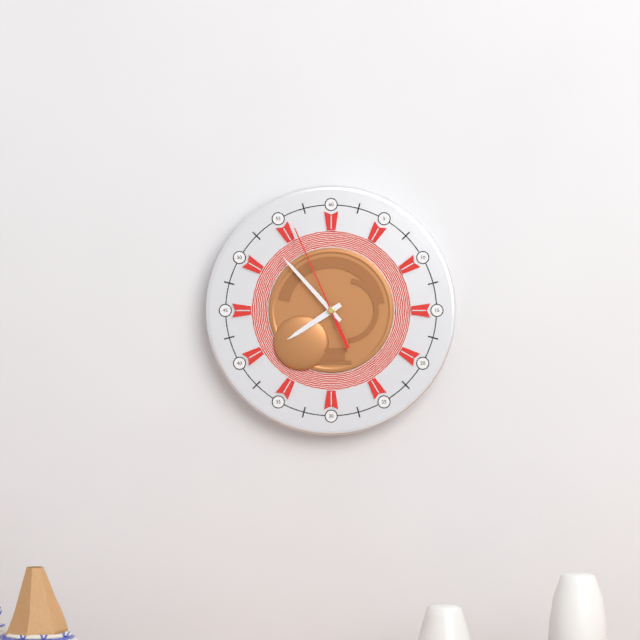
7:53:56
